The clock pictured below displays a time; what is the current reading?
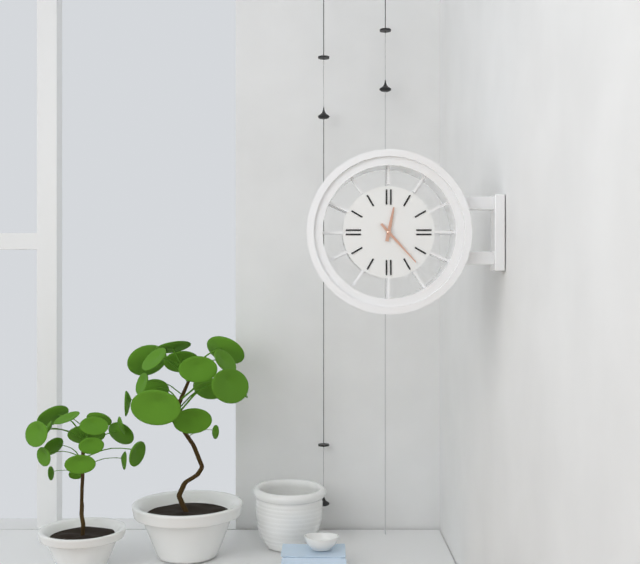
12:23
